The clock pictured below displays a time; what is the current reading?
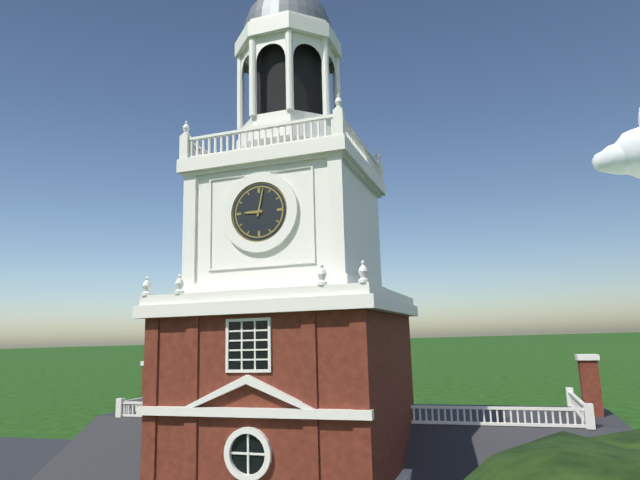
9:02
